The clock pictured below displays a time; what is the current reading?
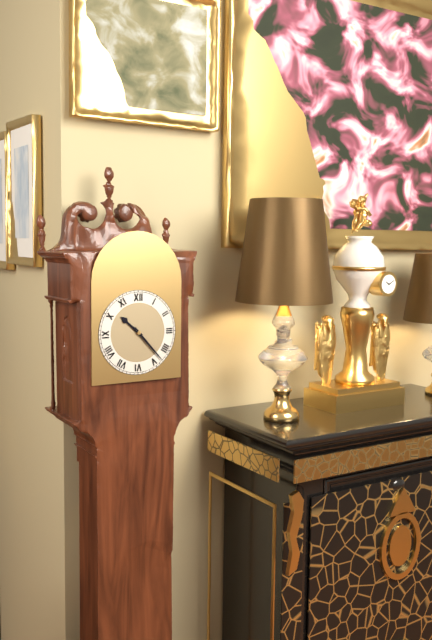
10:23
